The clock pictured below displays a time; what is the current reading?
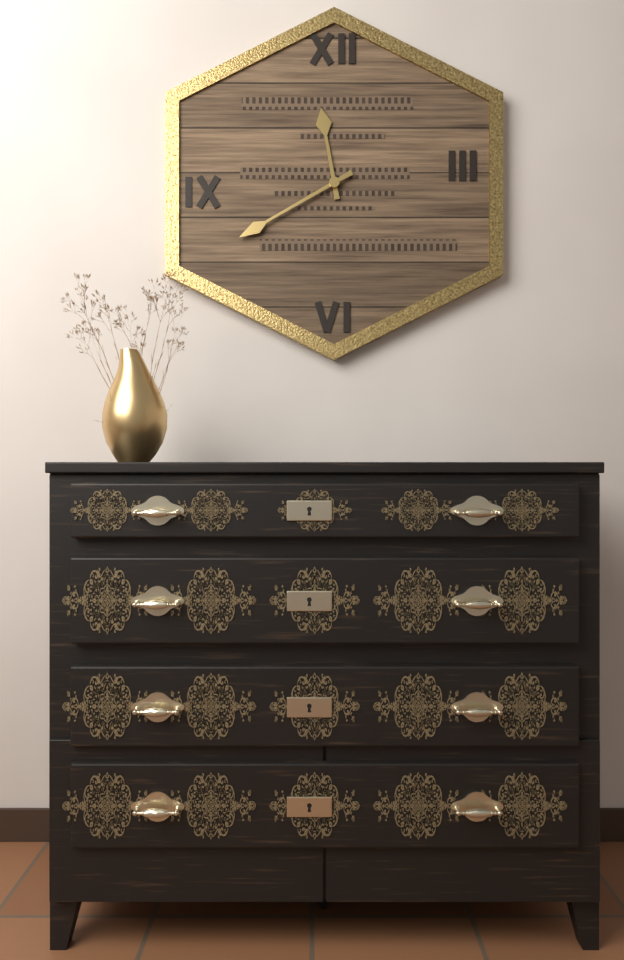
11:40
